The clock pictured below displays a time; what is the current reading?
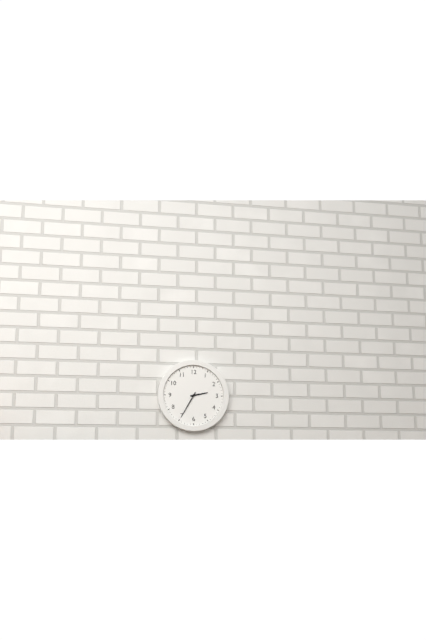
2:35
